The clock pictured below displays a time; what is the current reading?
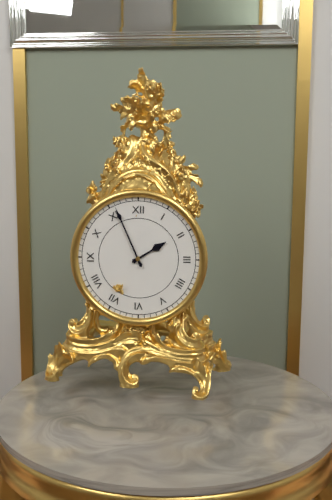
1:56
